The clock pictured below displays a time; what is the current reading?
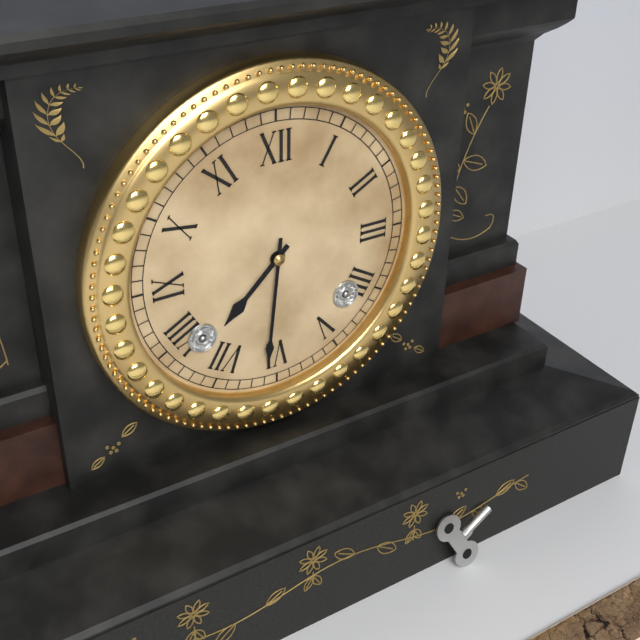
7:31
